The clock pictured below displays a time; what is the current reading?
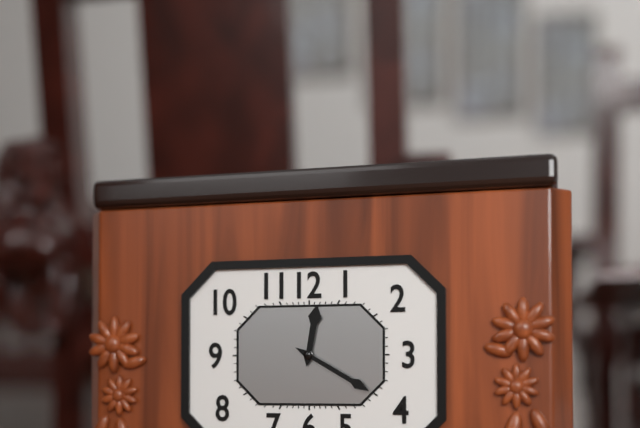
12:20
